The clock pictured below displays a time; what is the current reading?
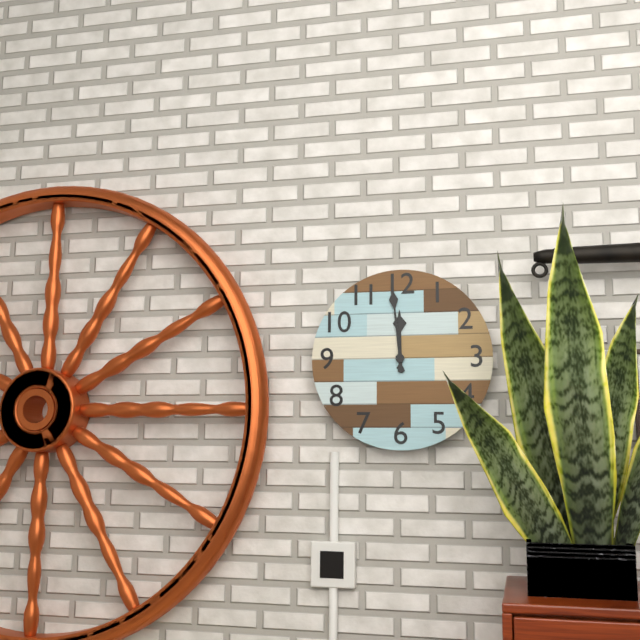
11:59
